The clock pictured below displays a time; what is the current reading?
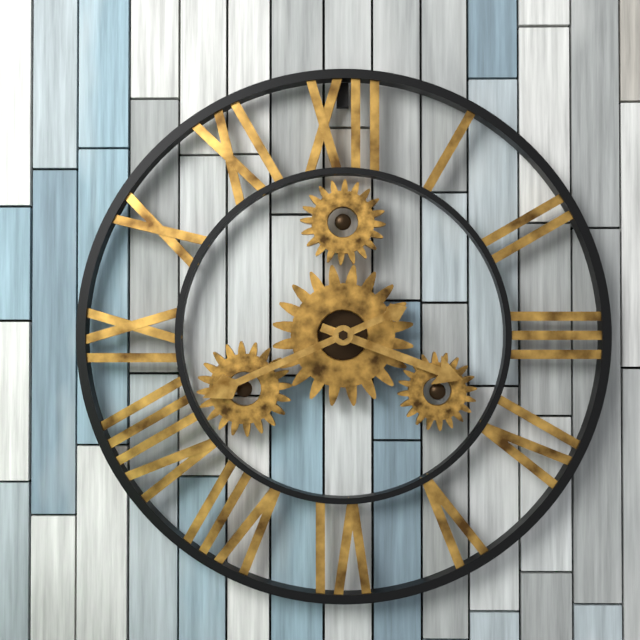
3:41
